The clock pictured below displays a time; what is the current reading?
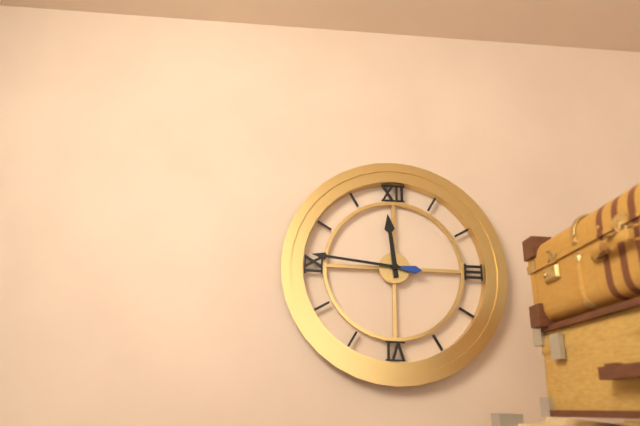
11:46
